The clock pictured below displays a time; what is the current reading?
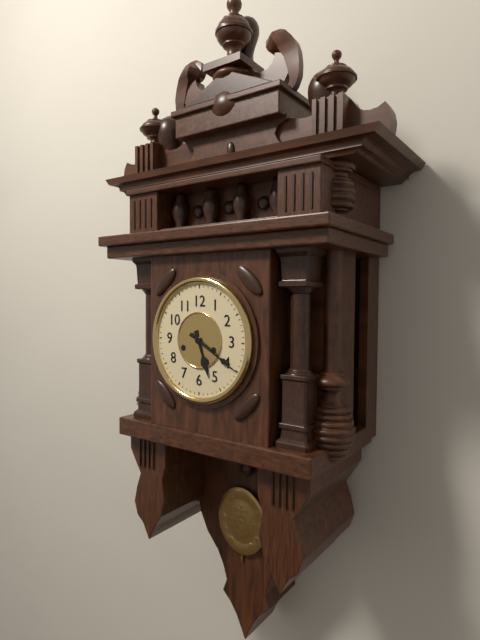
5:20
